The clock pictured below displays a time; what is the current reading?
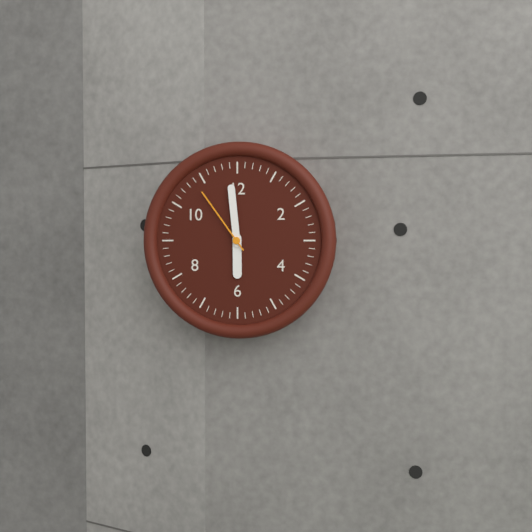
5:59:54
